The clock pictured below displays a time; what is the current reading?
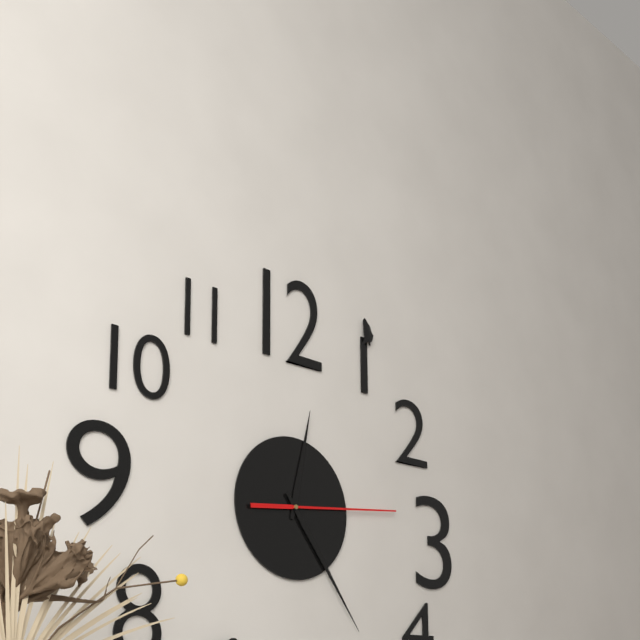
12:24:14
